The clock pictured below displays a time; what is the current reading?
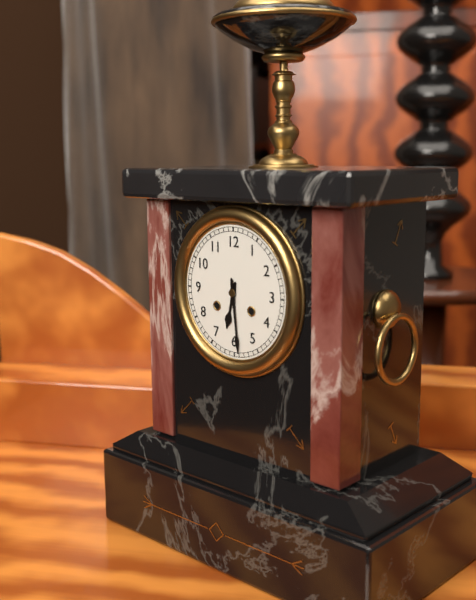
6:29
